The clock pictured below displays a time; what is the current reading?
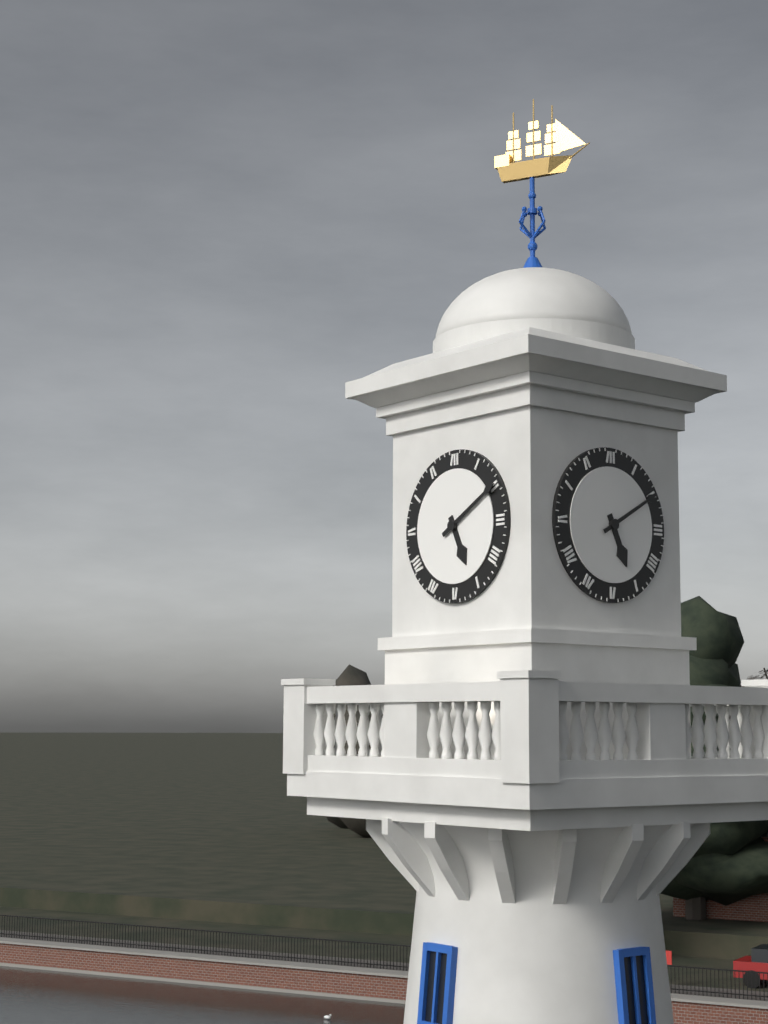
5:10
